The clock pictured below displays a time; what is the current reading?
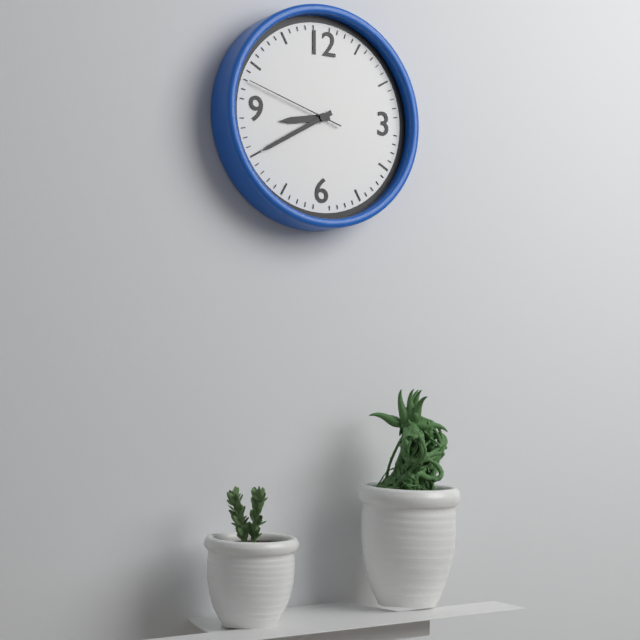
8:40:48
